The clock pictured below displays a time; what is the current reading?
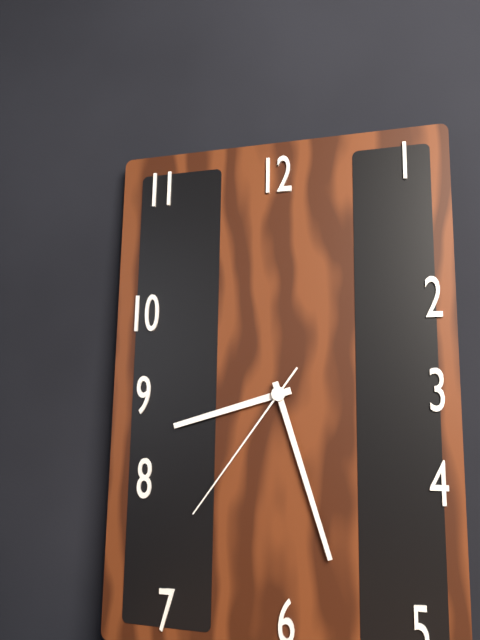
8:27:36
